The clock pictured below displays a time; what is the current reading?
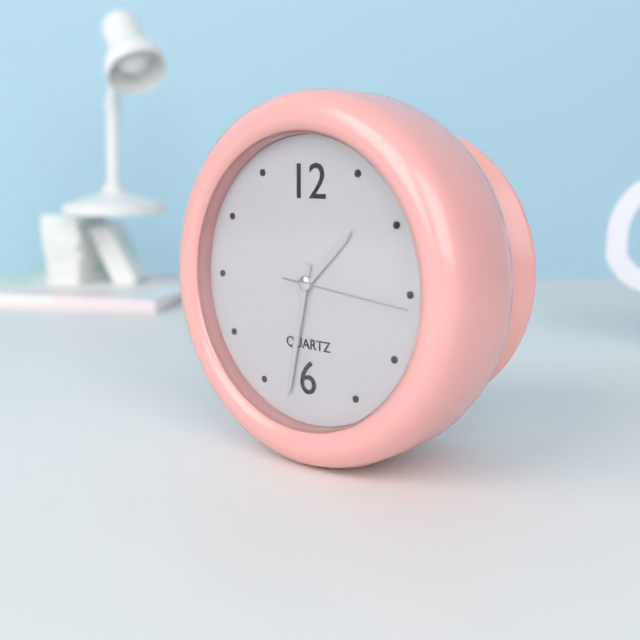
1:32:16
